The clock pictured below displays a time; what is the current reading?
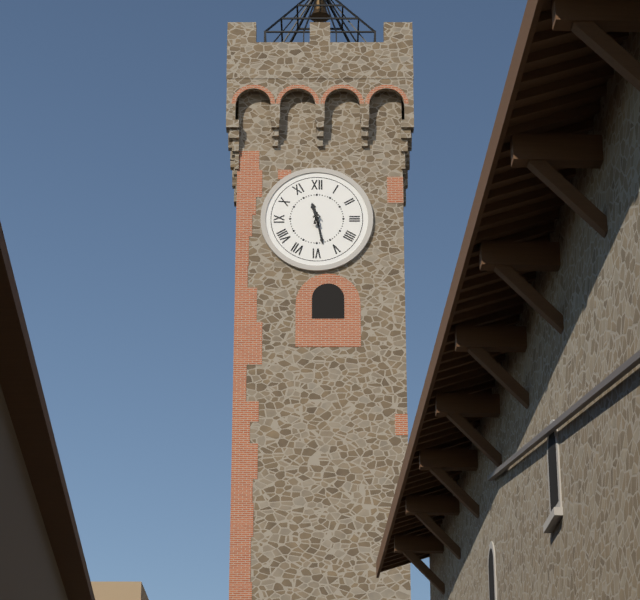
11:28
